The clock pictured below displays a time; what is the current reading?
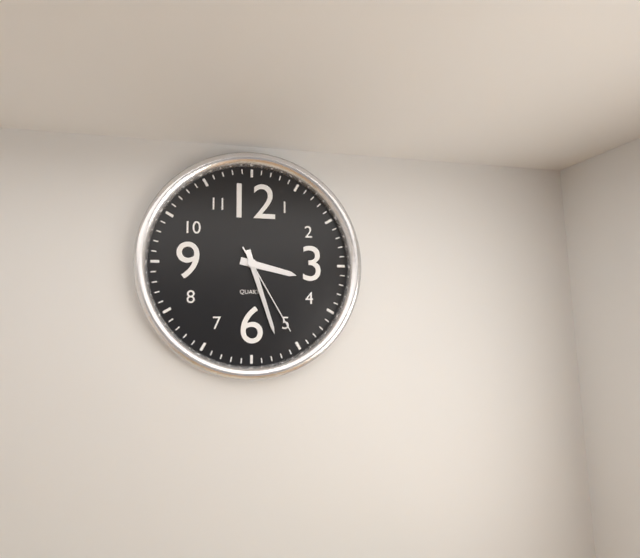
3:27:25
